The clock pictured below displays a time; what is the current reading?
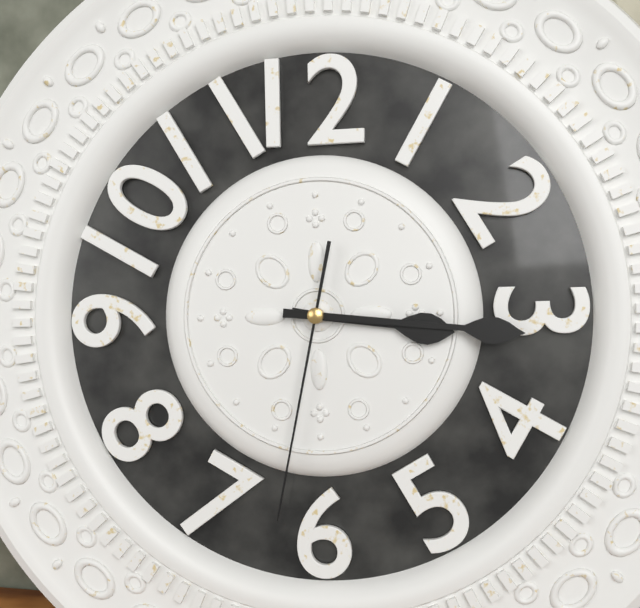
3:16:32
